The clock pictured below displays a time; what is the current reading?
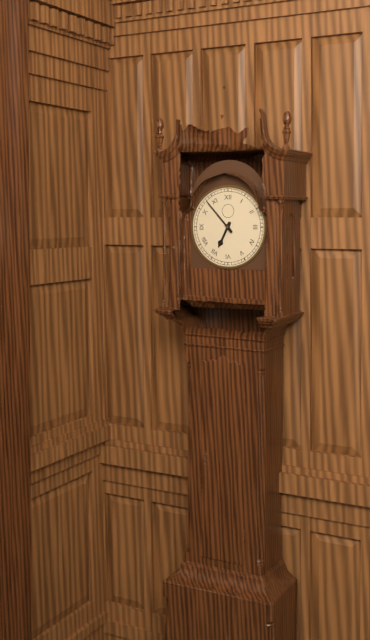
6:53
